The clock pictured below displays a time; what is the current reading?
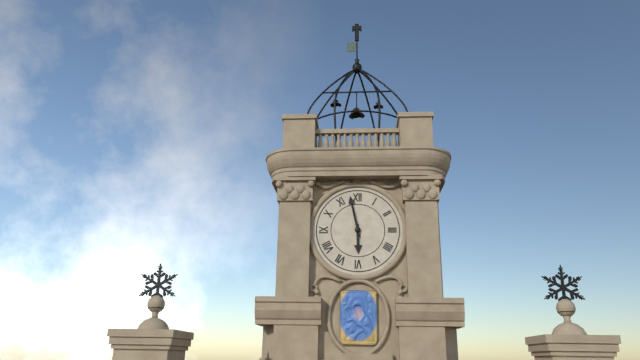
5:58
